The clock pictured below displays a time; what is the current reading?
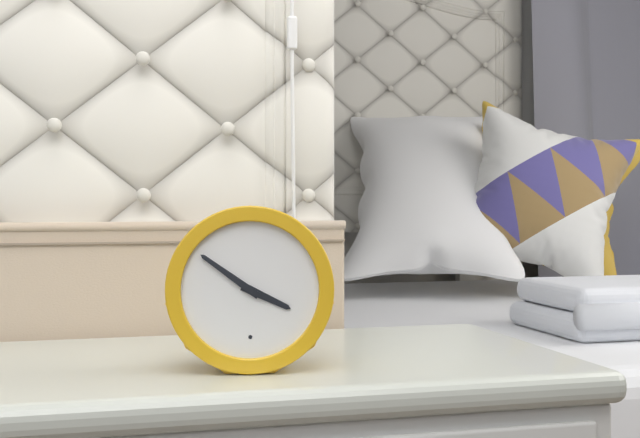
3:51
